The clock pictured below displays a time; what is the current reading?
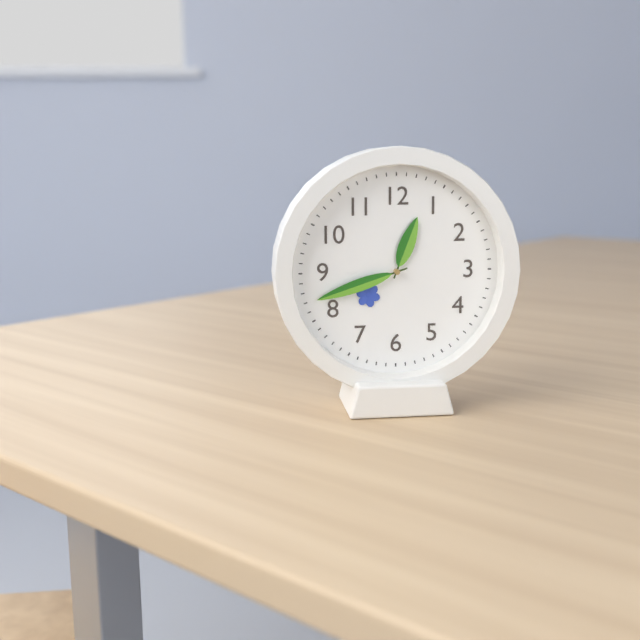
12:42
